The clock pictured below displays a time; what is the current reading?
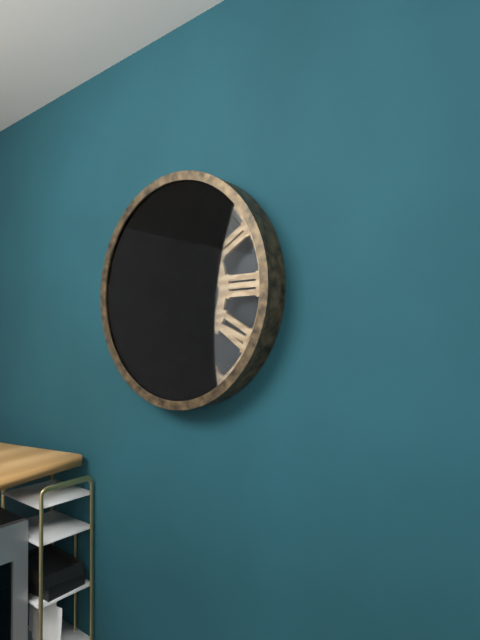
5:36
